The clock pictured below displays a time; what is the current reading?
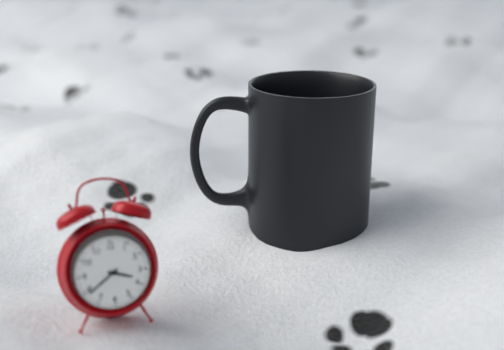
3:39
